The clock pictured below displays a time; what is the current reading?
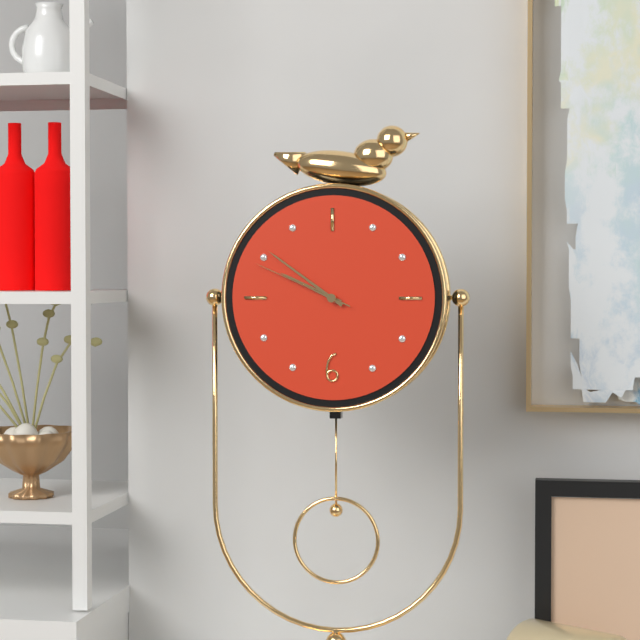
9:51:49
